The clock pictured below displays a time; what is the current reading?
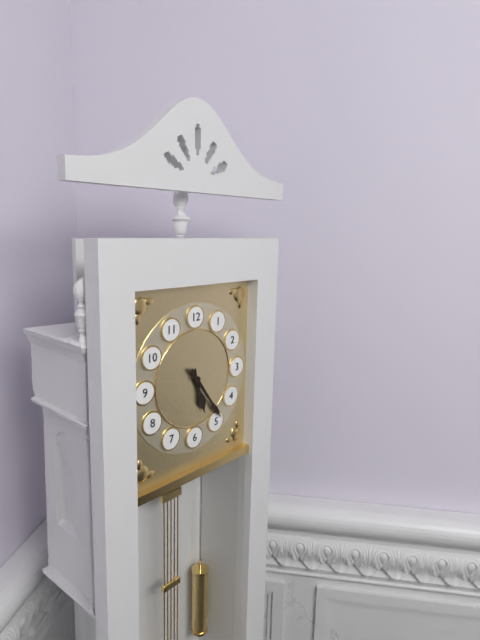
5:24
